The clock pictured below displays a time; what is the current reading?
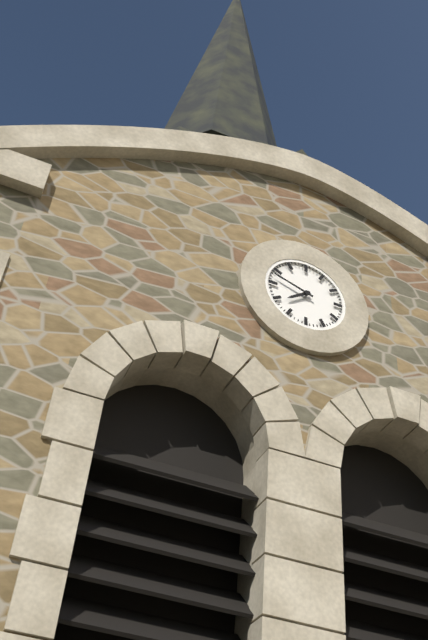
7:48
